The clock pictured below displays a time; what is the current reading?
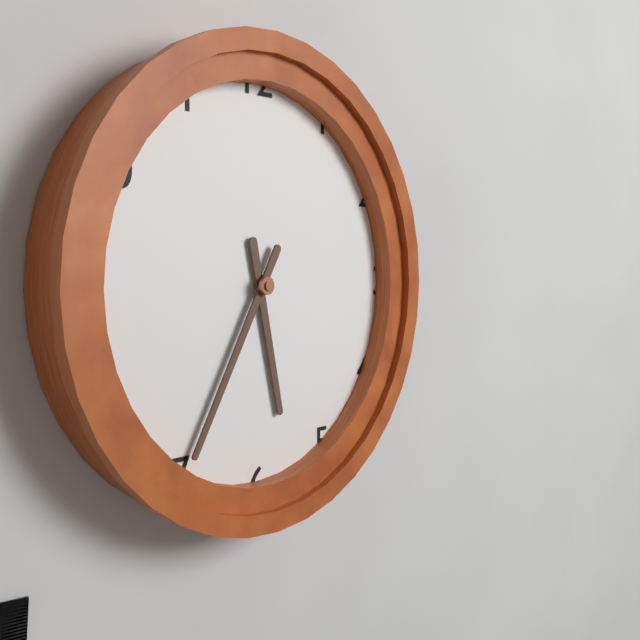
5:35
